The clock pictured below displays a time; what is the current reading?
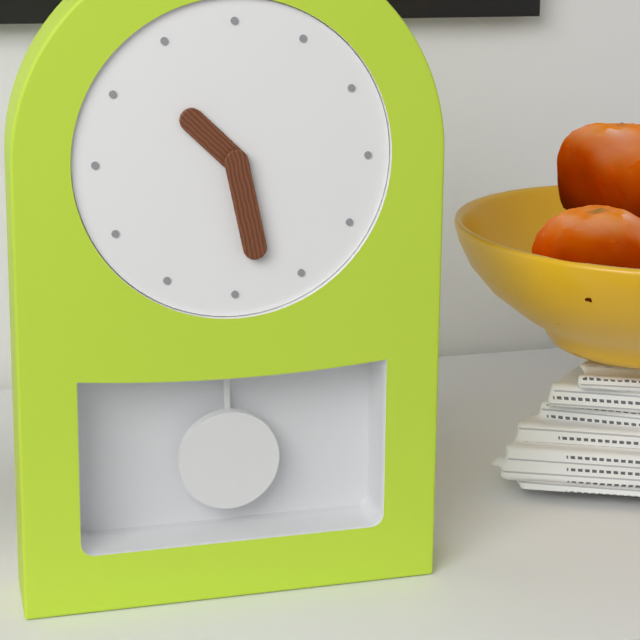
10:28
